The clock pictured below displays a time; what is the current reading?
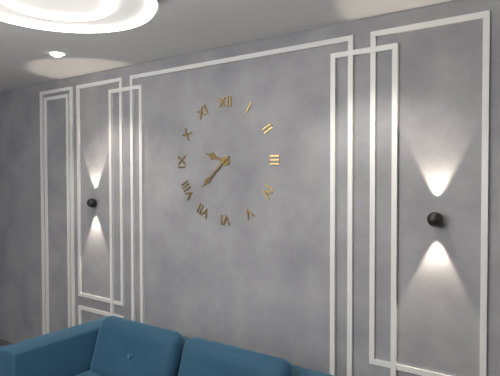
9:38
